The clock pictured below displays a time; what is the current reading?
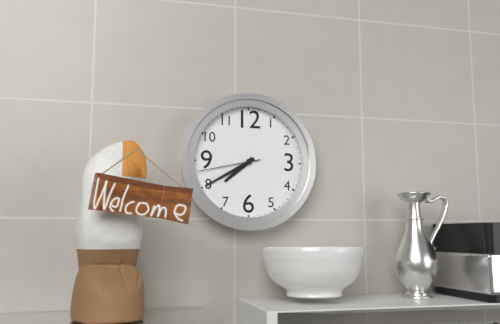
7:40:43
